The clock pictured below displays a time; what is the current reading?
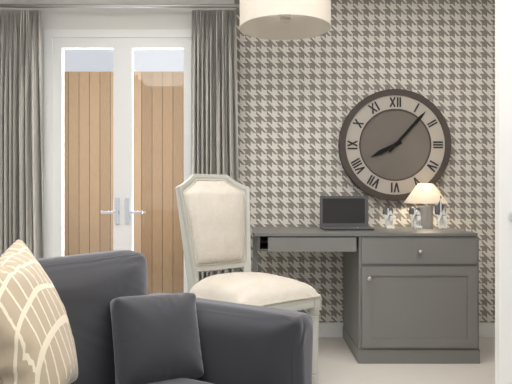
8:07
